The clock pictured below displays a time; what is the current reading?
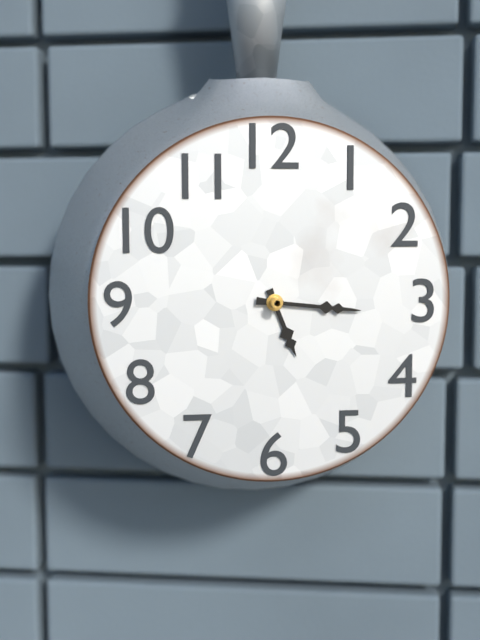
5:16
